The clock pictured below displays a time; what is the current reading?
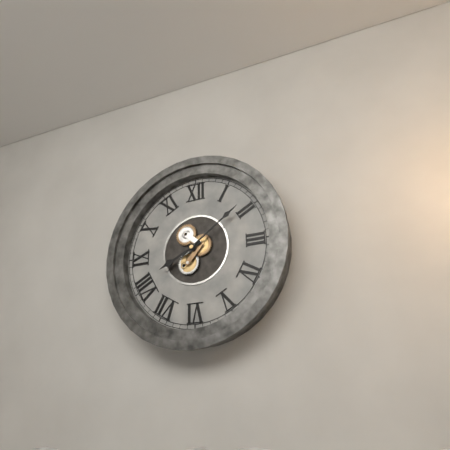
8:09
